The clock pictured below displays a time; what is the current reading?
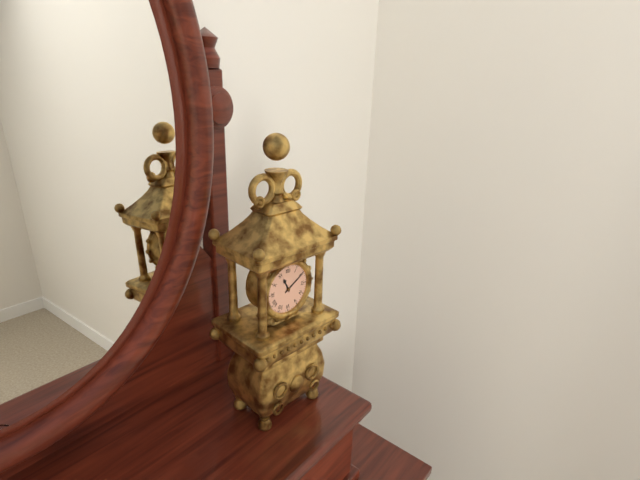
11:10
